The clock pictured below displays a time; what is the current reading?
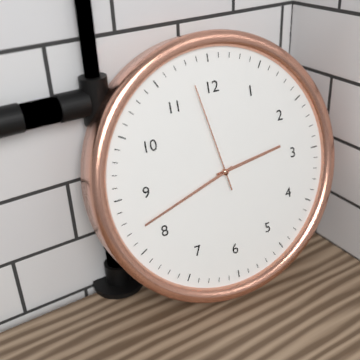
2:42:58
